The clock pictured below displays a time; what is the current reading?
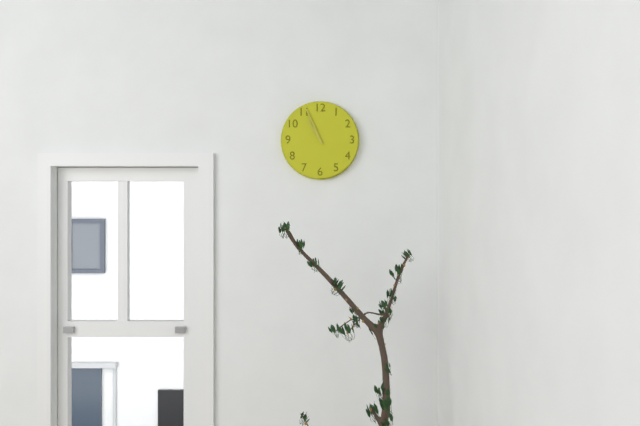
10:56
